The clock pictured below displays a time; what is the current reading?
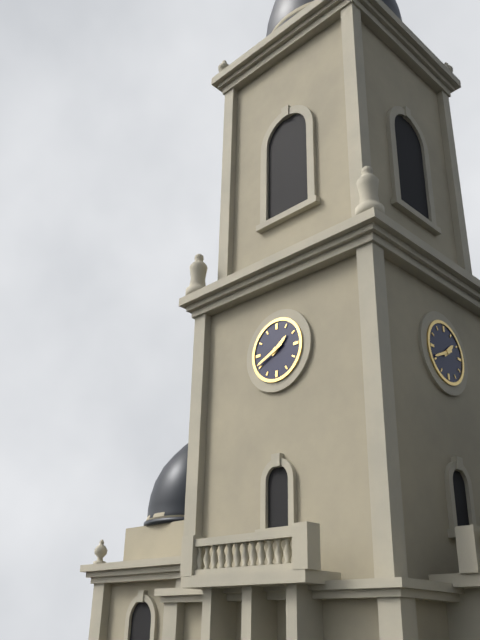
1:41
